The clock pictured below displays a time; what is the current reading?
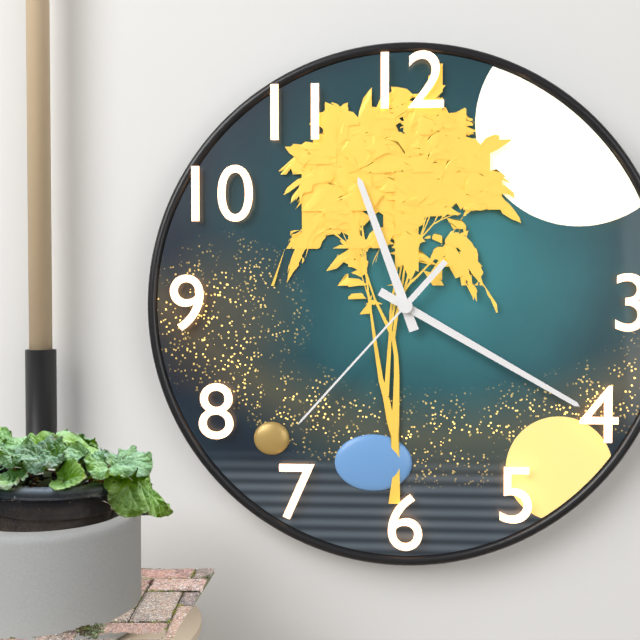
11:20:37
